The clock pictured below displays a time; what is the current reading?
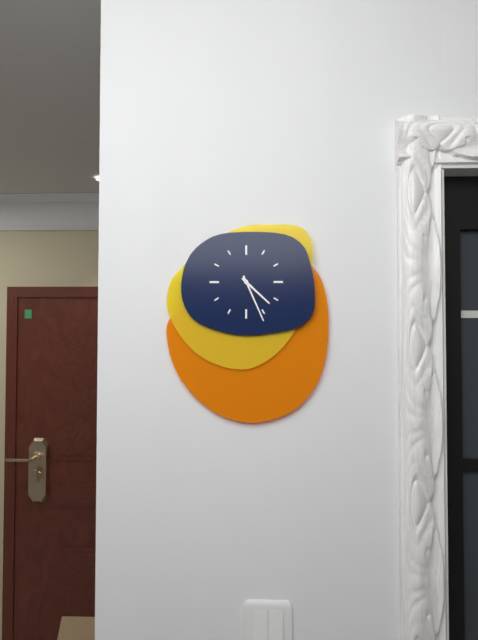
4:26
